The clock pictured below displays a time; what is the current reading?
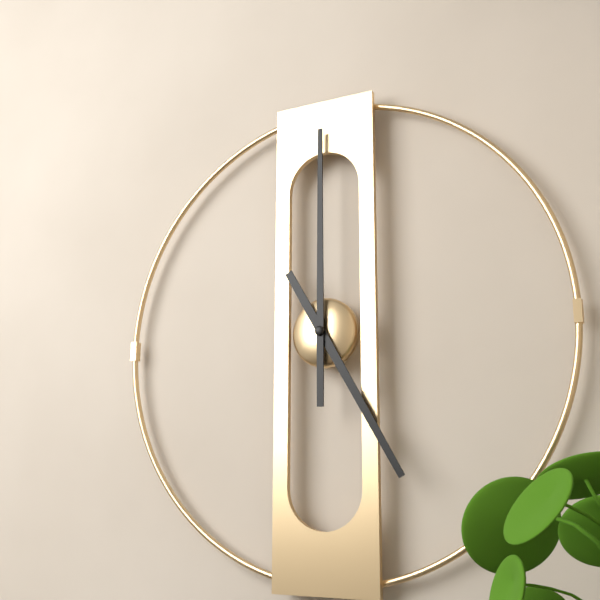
5:00
